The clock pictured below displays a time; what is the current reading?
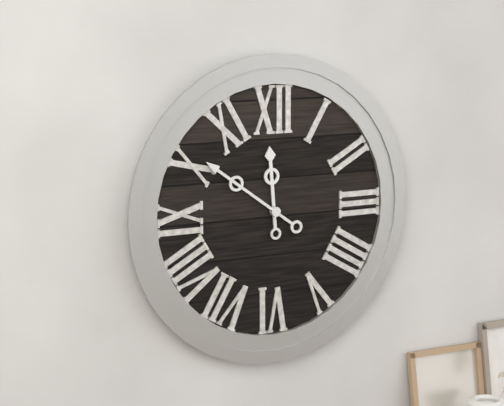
11:51
